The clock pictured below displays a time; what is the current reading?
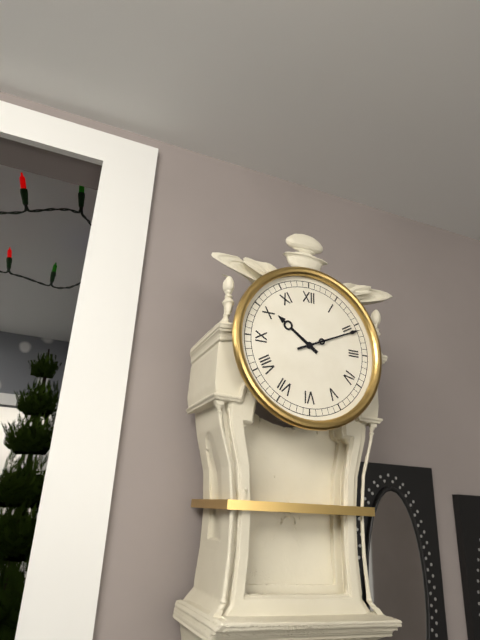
10:11
